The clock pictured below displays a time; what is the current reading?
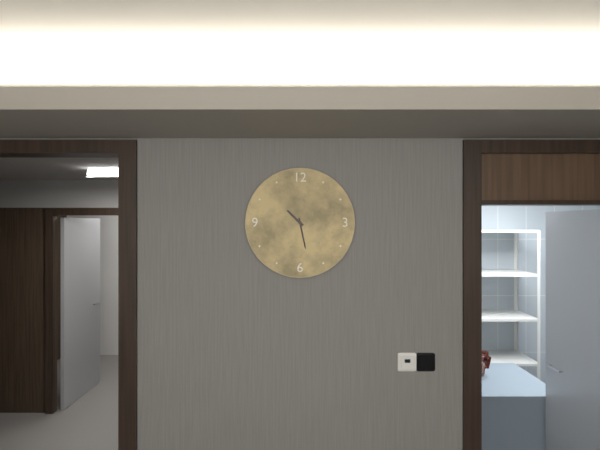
10:28
